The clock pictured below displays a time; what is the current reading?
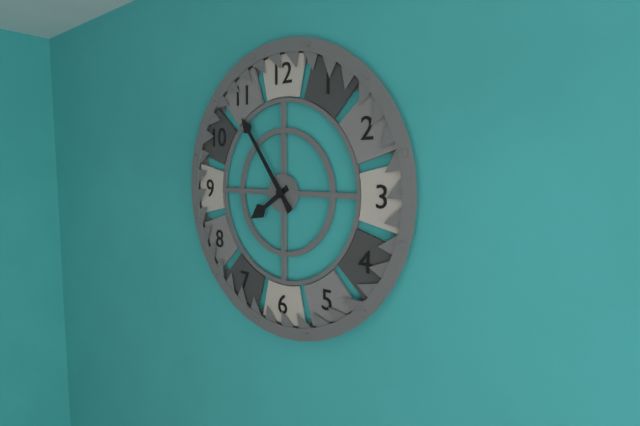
7:54
